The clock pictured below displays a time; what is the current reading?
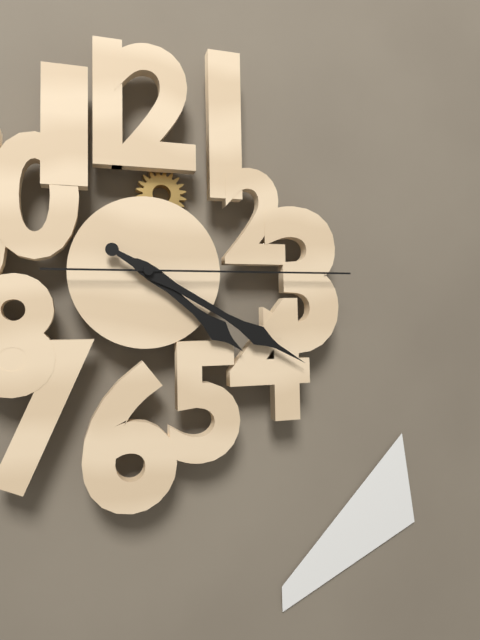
4:20:15
